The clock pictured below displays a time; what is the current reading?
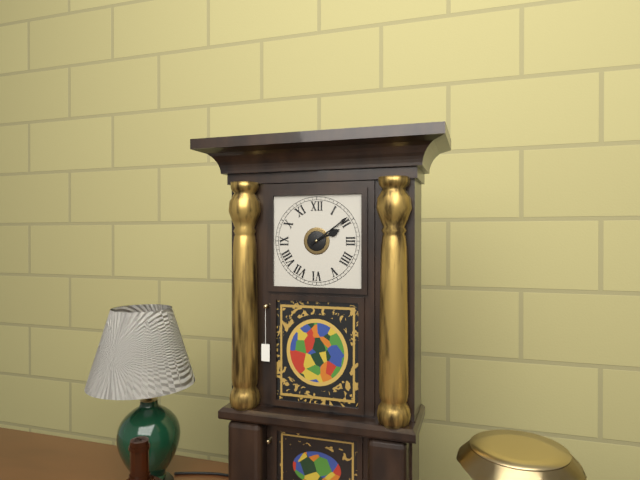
2:09
